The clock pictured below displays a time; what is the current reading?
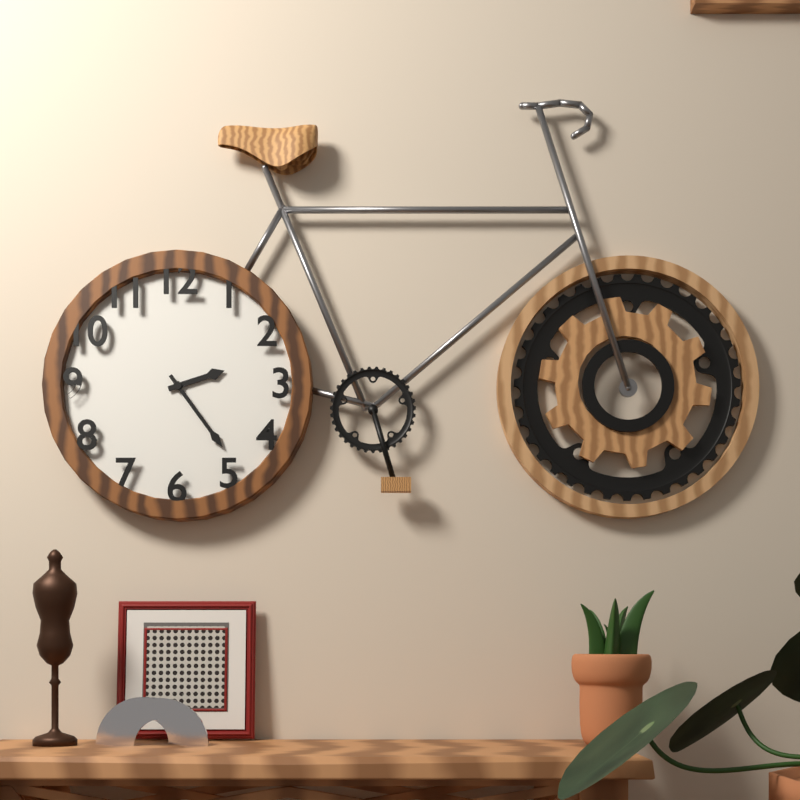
2:24
